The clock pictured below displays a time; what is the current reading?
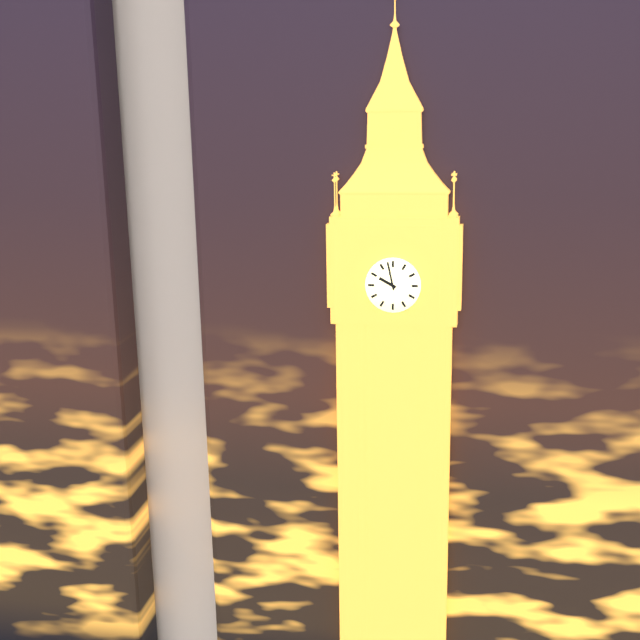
9:58
